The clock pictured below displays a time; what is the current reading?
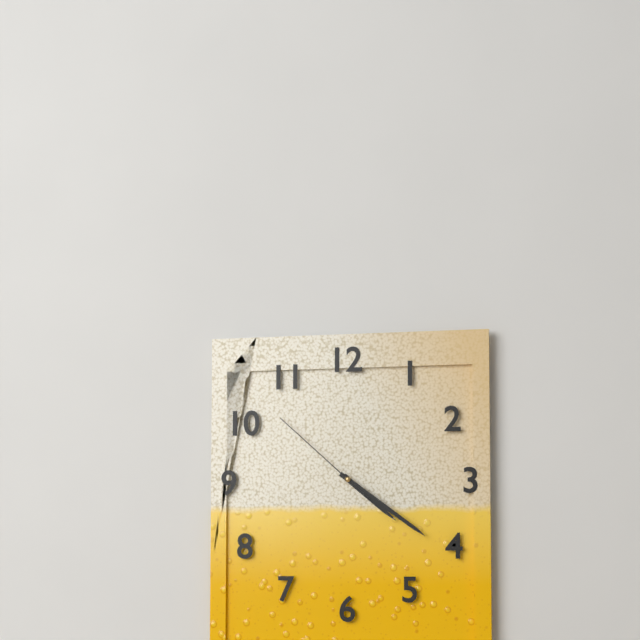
4:21:52
